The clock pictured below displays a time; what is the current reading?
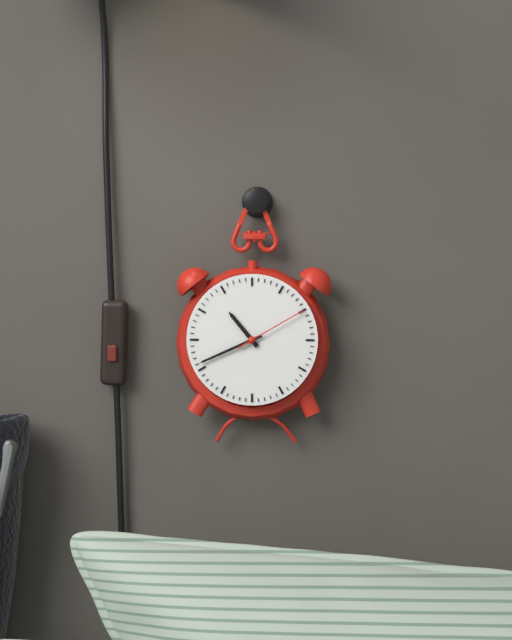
10:41:10
